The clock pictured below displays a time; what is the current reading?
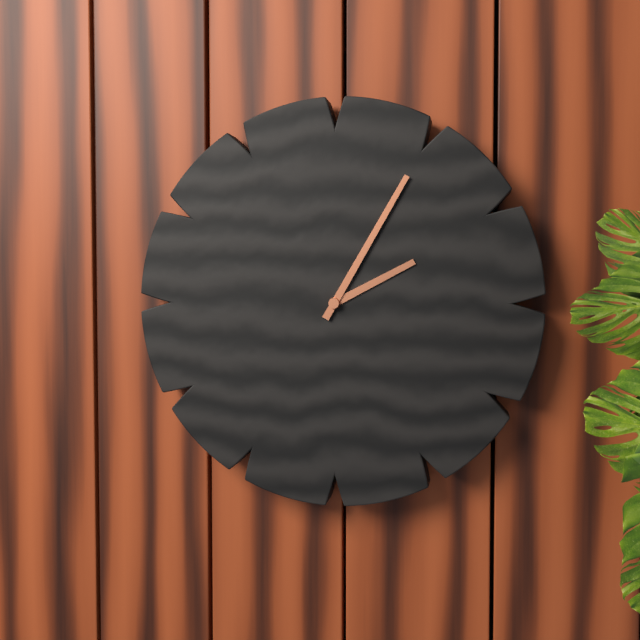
2:05
